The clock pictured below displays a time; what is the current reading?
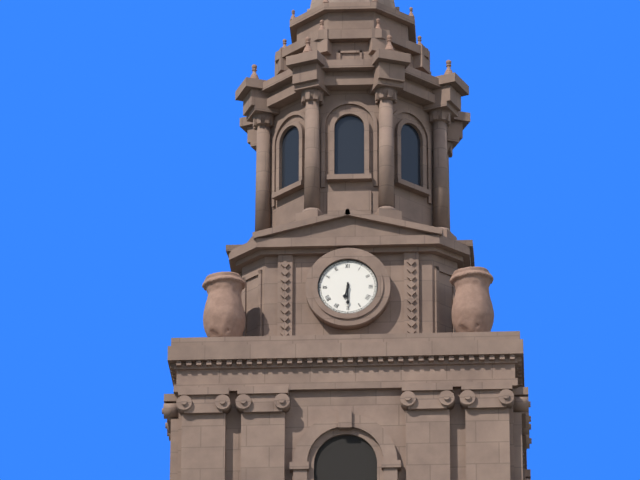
6:30
